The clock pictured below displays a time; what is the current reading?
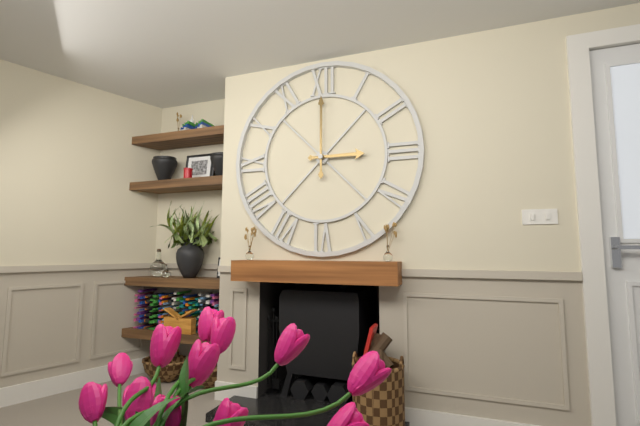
3:00
